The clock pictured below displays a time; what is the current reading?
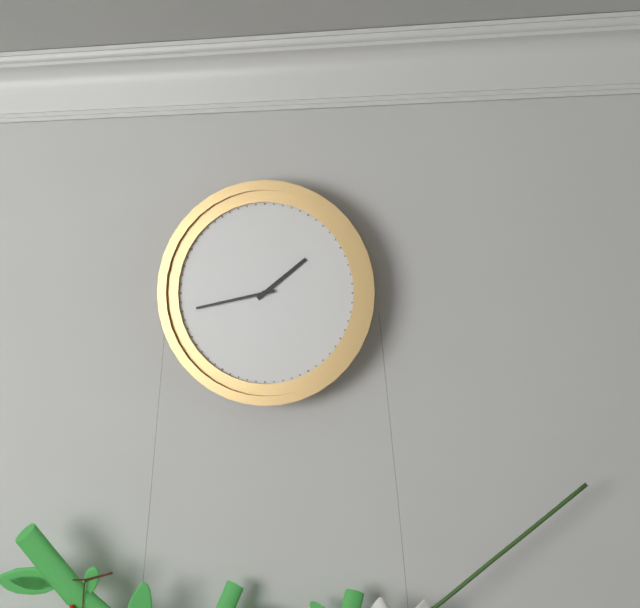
1:43
